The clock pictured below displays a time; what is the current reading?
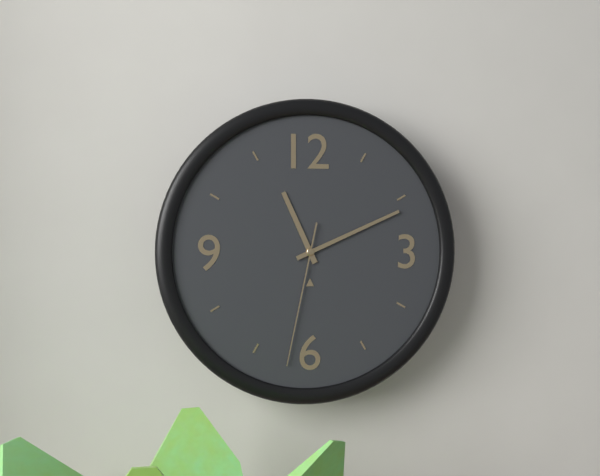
11:11:32
